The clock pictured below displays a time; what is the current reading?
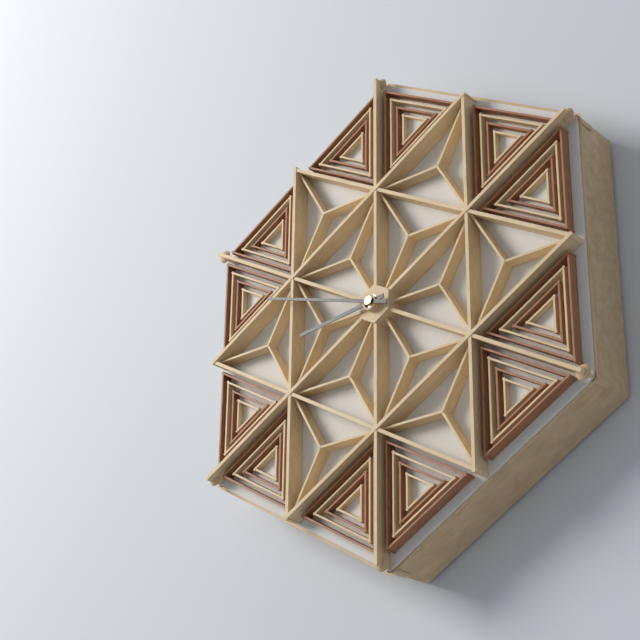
8:48
